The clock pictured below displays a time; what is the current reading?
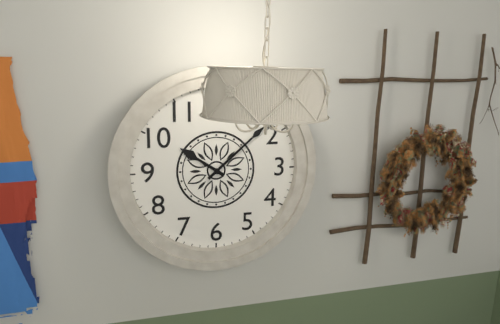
10:08
